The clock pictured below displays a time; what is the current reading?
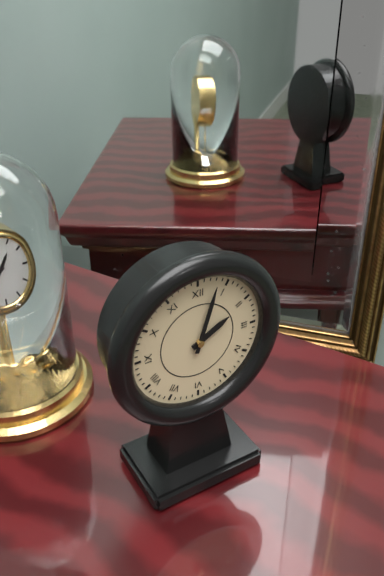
2:03
